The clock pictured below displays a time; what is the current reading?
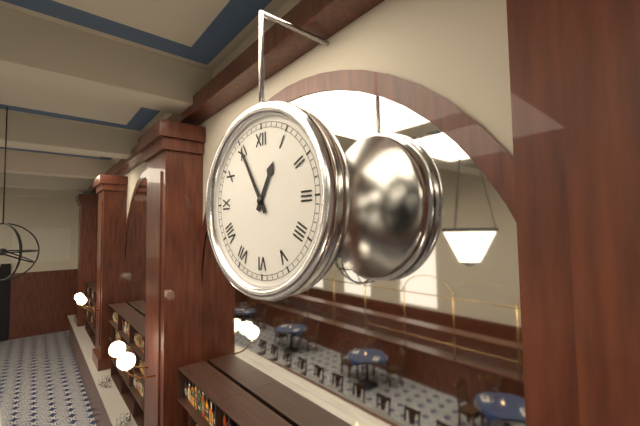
12:55
